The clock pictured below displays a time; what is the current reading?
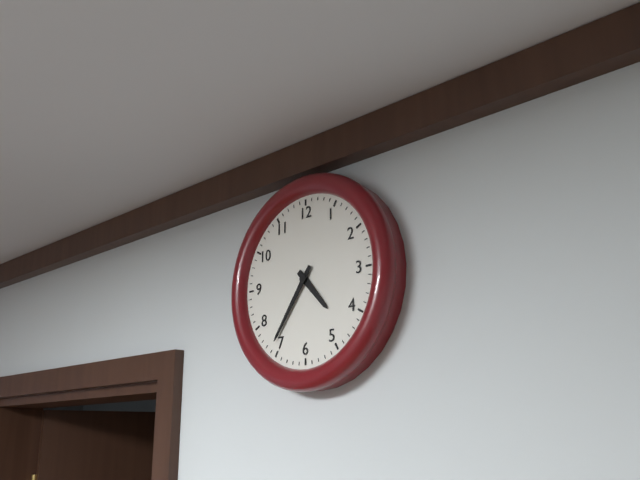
4:36
